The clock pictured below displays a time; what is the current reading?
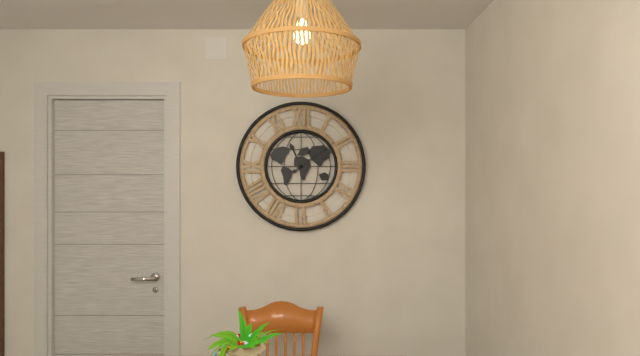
11:09
